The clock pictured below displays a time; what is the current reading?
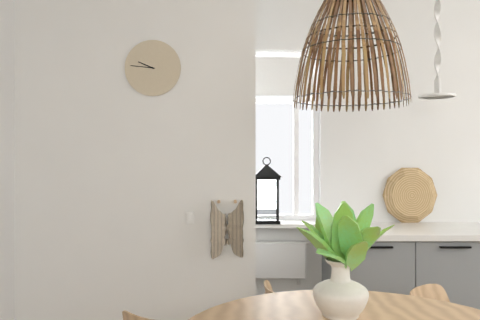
9:46
